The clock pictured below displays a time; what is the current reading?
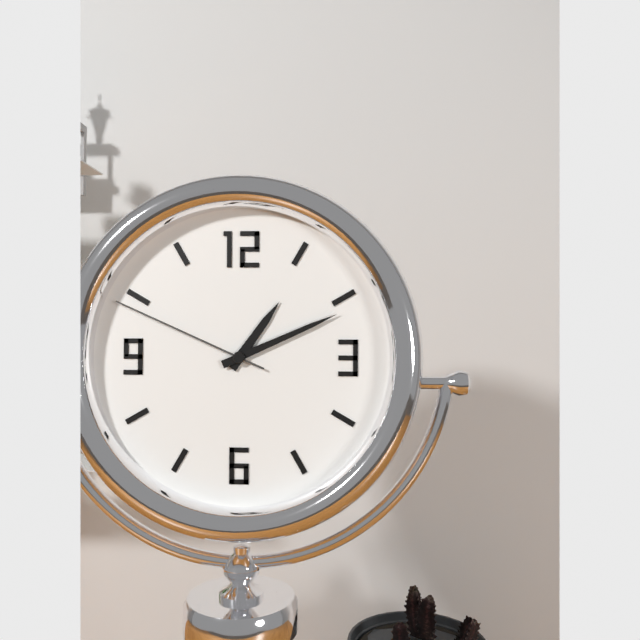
1:11:49
